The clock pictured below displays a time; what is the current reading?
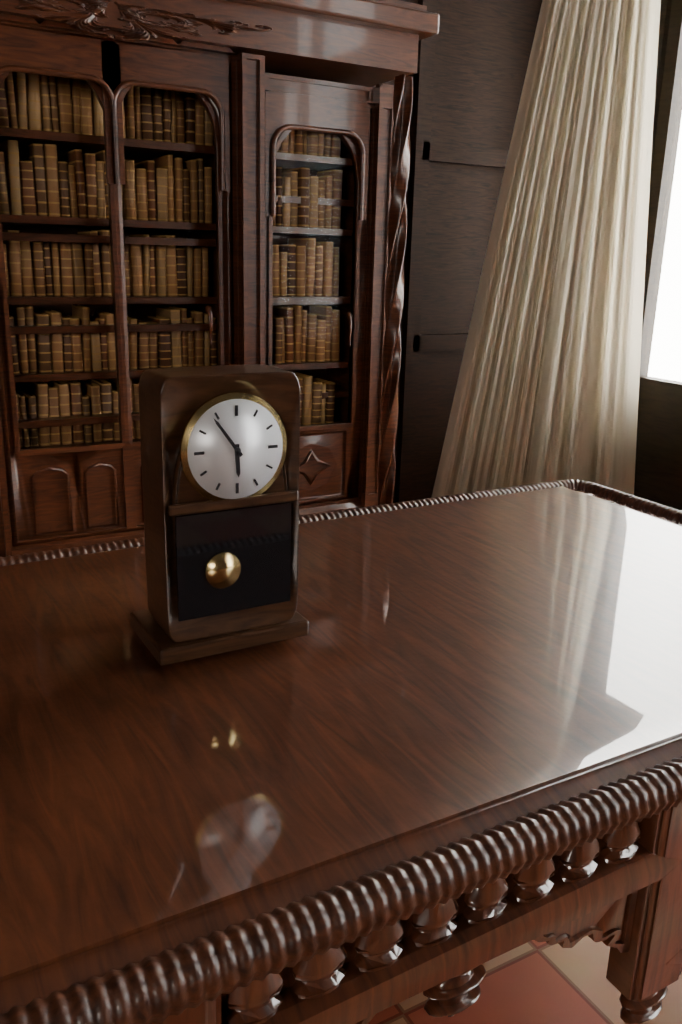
5:54
